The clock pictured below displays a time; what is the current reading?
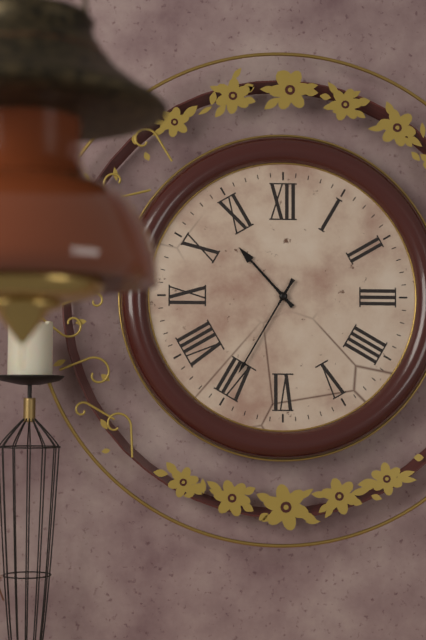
10:35
